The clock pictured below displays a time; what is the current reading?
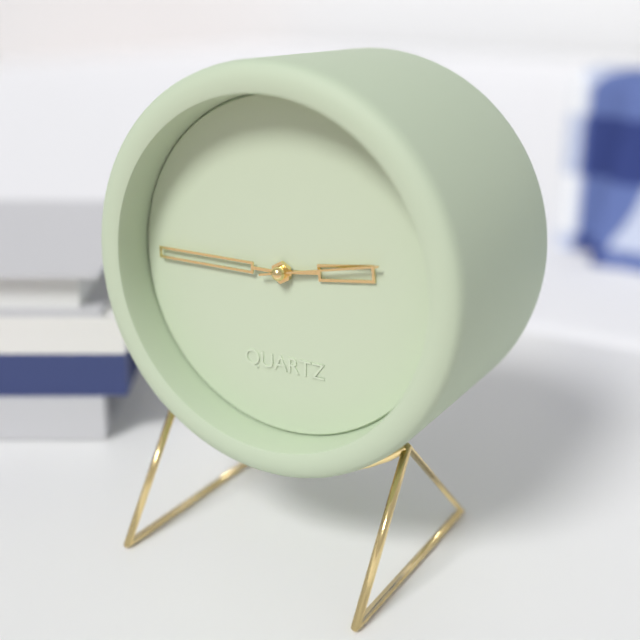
2:45:13
